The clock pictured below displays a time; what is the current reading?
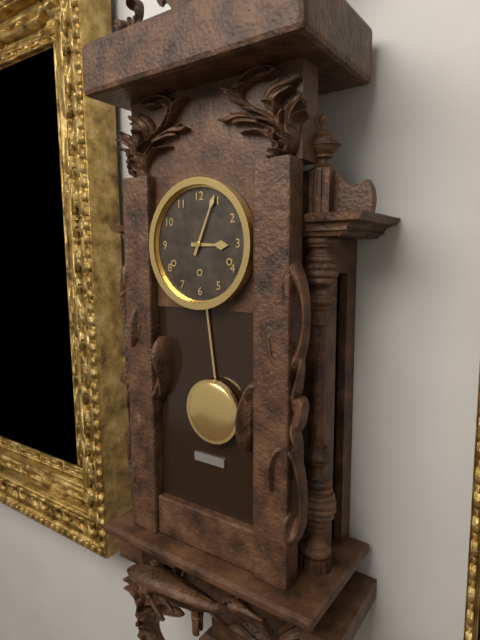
3:04
